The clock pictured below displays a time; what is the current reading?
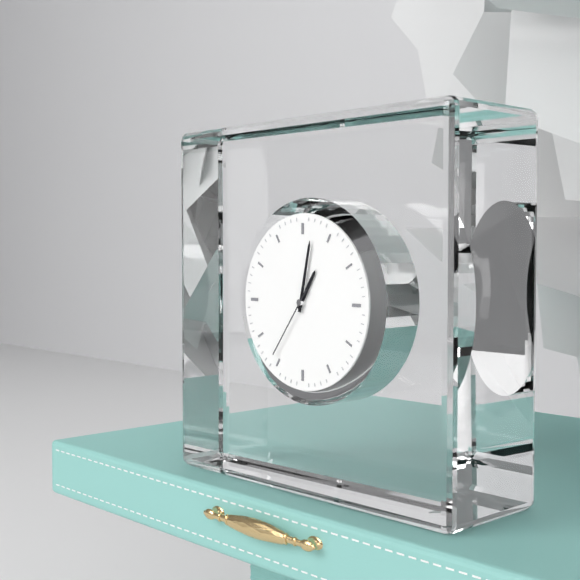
1:02:36
